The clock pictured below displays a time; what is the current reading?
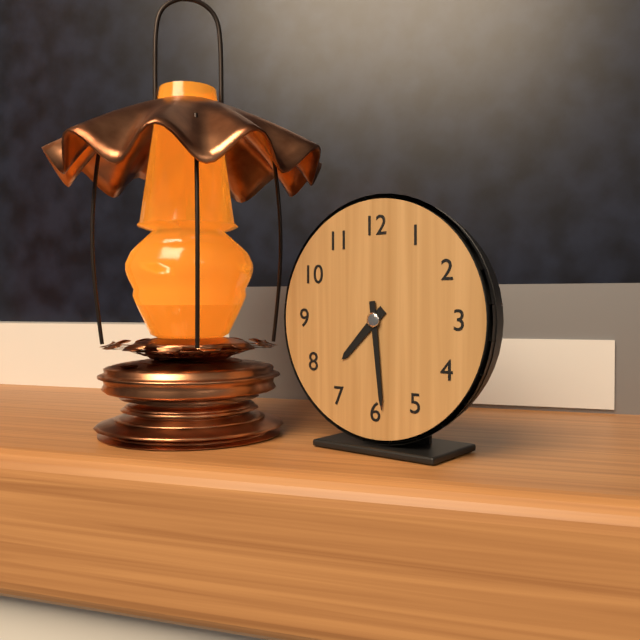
7:29
